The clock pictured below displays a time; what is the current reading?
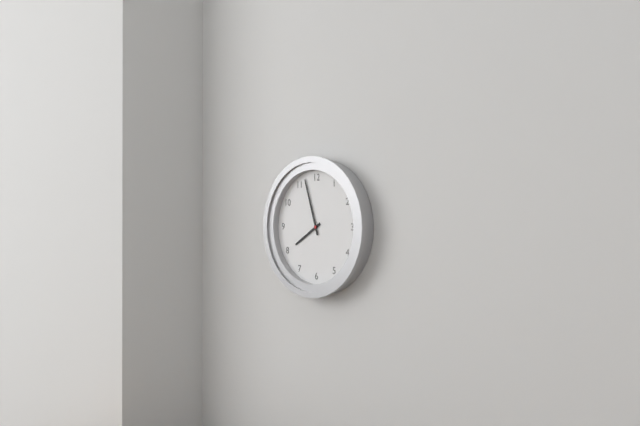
7:57
